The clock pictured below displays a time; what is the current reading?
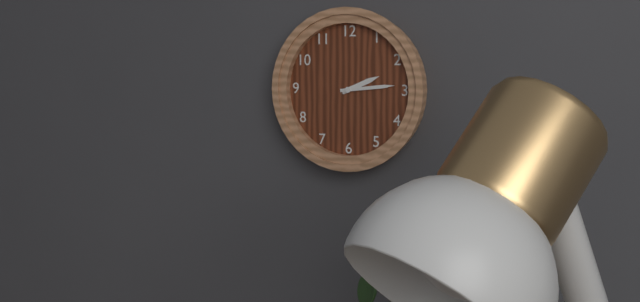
2:14
